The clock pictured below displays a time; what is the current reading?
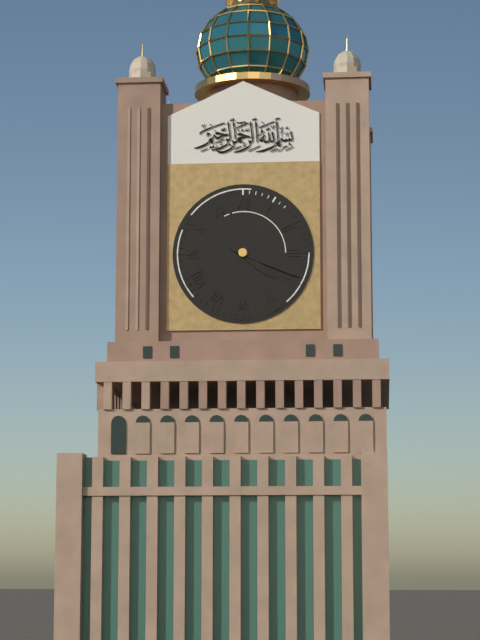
4:19
